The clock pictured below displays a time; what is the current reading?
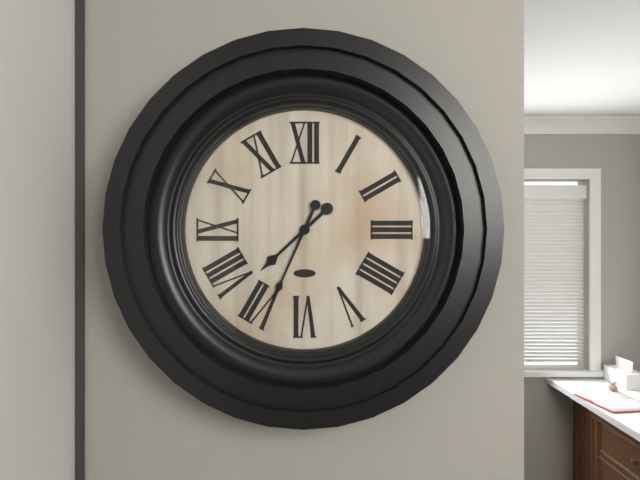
7:34
